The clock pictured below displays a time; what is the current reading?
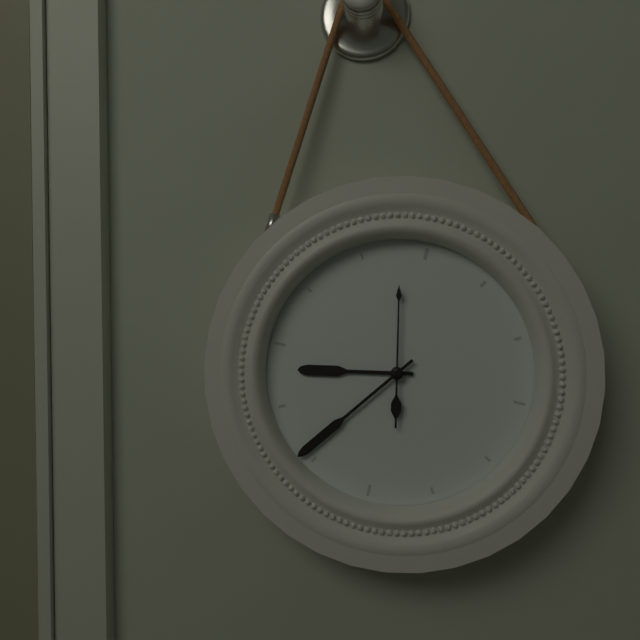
8:36:58
